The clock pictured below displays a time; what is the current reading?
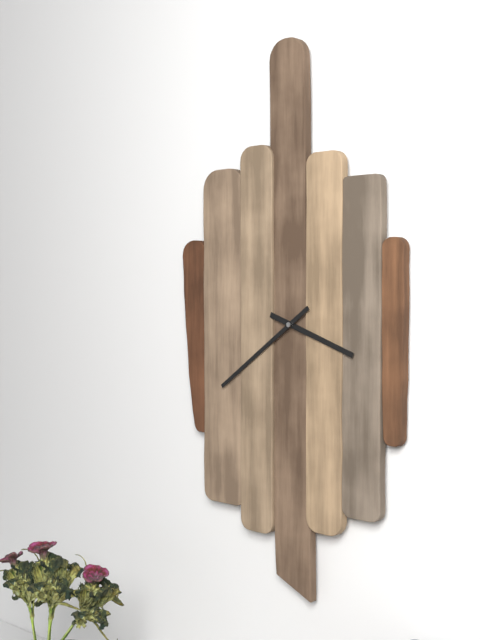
3:39
